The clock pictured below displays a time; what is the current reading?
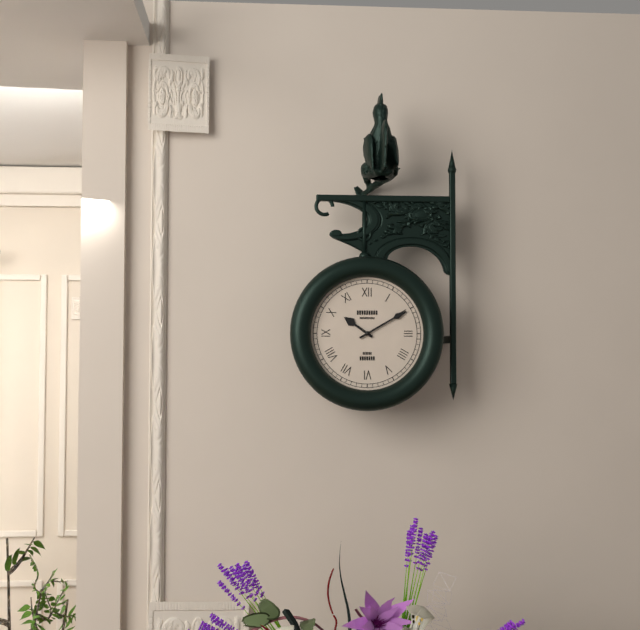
10:10
